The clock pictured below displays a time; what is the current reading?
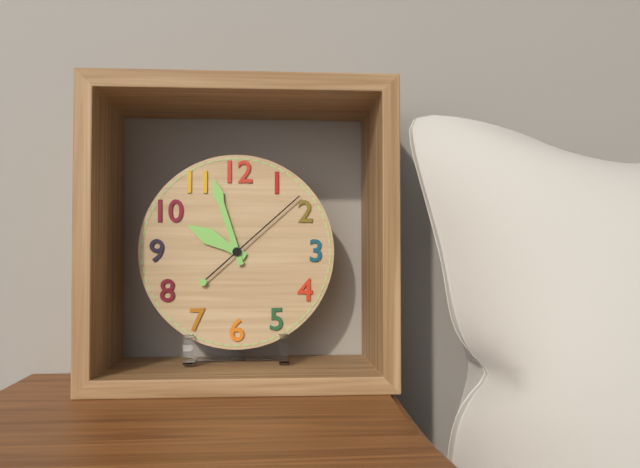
9:57:08
